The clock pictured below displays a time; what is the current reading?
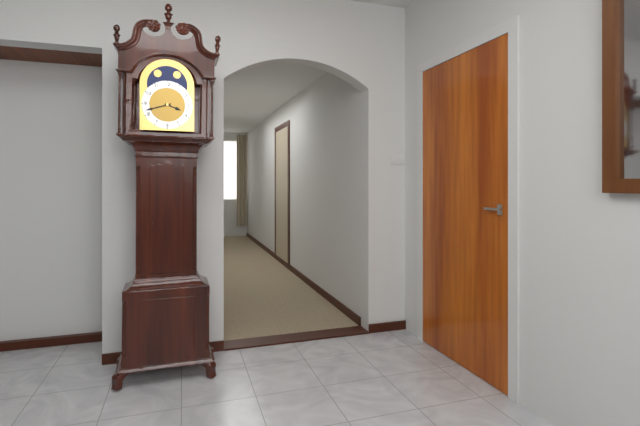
3:42
